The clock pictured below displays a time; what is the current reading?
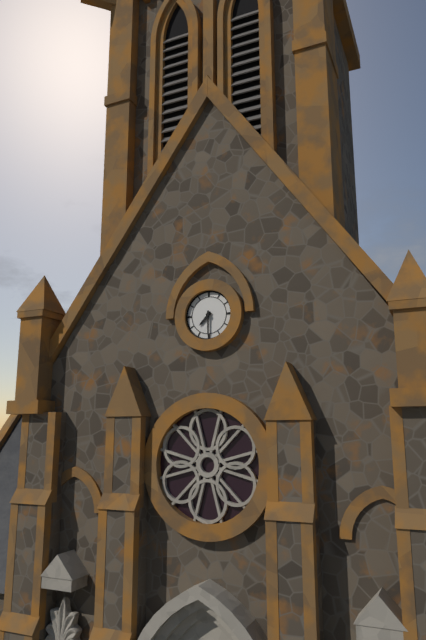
7:30
